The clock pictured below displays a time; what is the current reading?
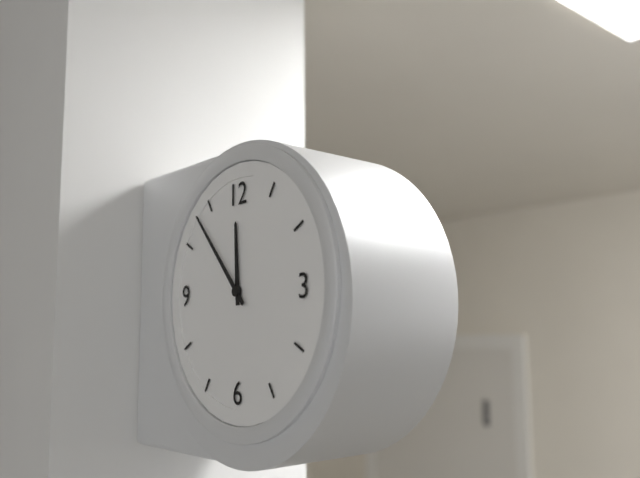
11:53
